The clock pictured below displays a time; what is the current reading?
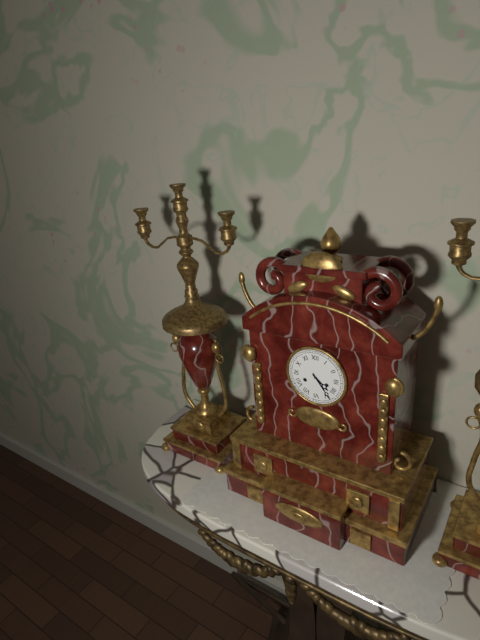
4:24
